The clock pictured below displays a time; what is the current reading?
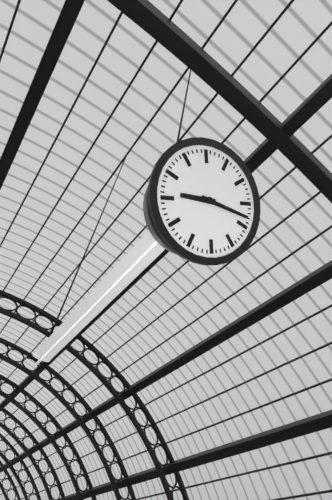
8:13
